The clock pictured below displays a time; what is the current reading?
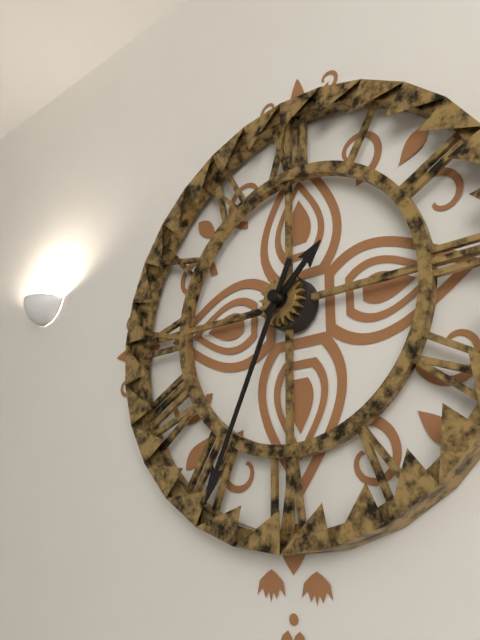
1:34
